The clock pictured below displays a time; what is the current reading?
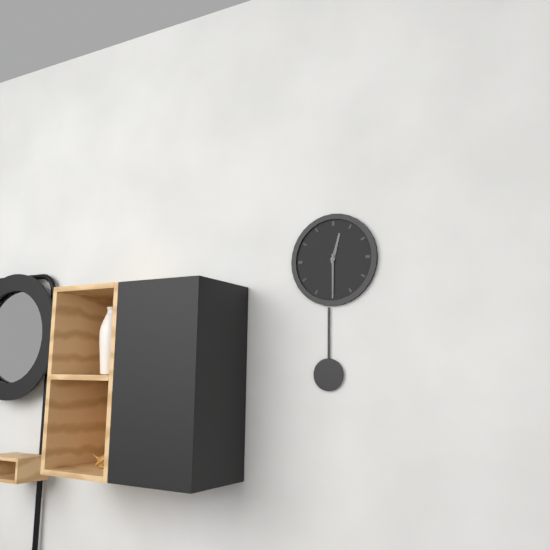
12:30
